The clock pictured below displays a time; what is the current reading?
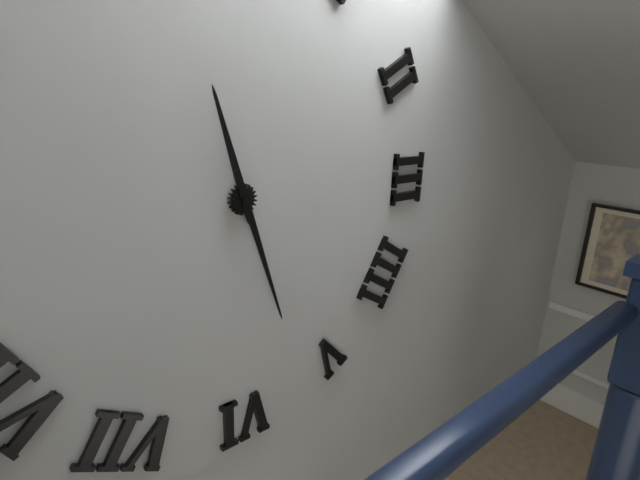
11:27
